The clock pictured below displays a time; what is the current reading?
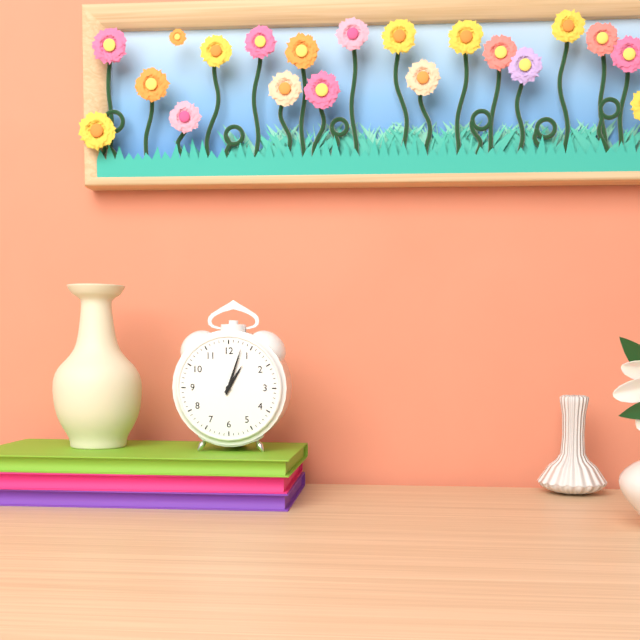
1:03
